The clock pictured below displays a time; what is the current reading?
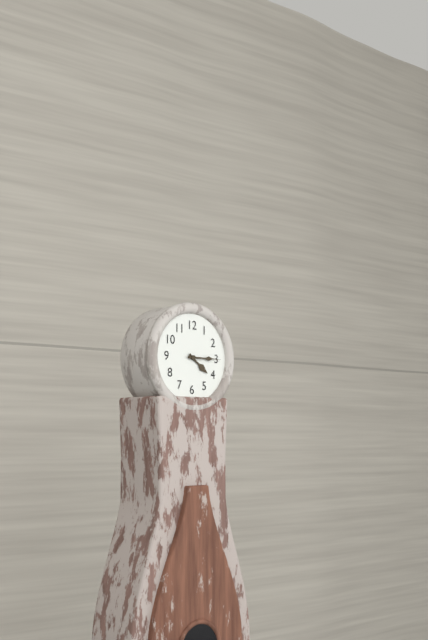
4:15
